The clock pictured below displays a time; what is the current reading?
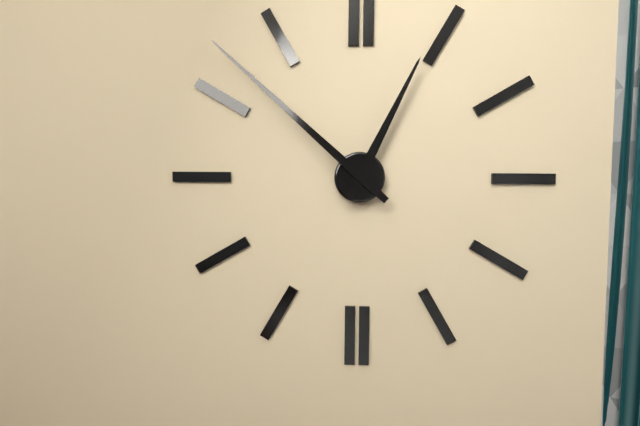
12:52
